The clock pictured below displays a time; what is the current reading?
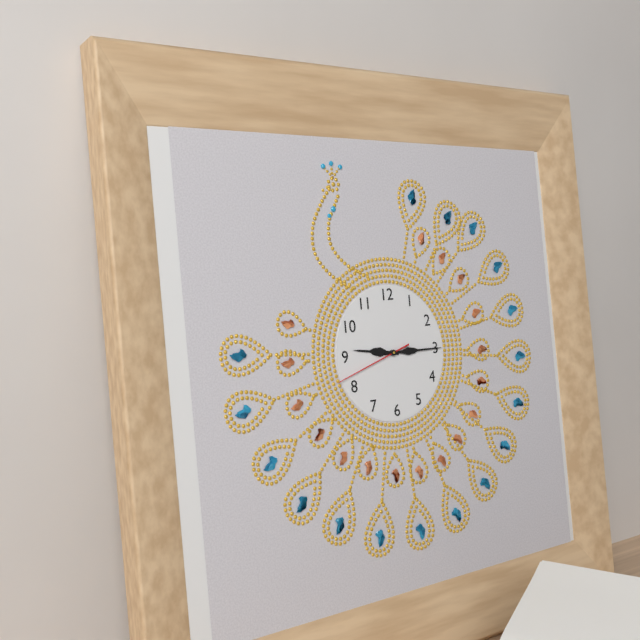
9:15:42
